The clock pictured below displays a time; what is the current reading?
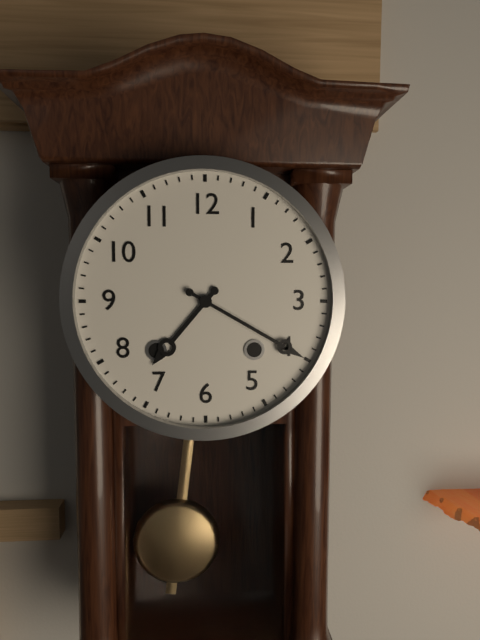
7:20
